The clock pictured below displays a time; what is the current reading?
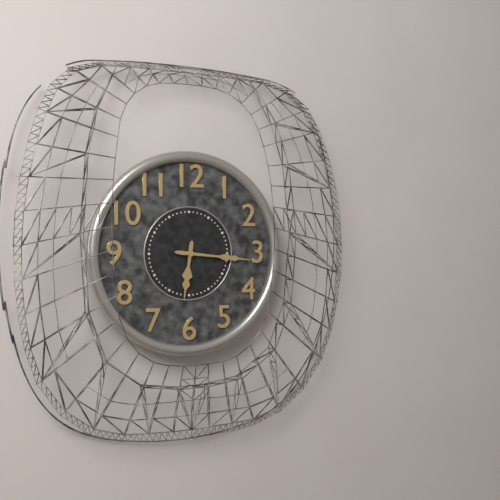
6:16
